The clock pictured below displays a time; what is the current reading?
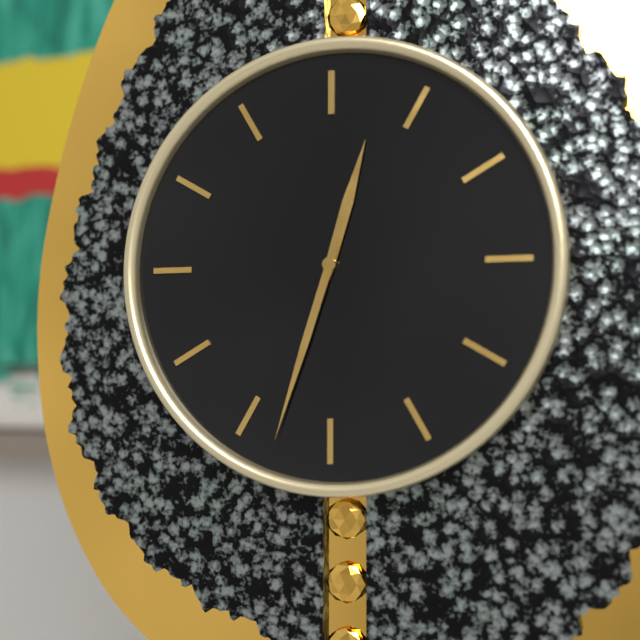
12:33
